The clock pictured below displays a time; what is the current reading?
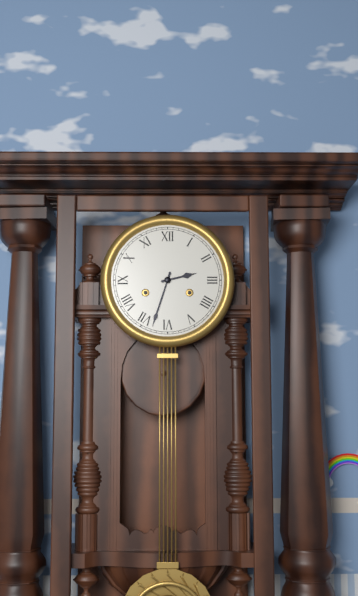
2:33
